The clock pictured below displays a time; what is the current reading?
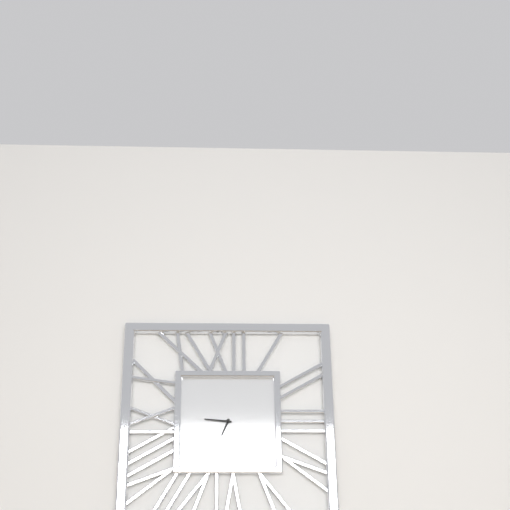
6:46
